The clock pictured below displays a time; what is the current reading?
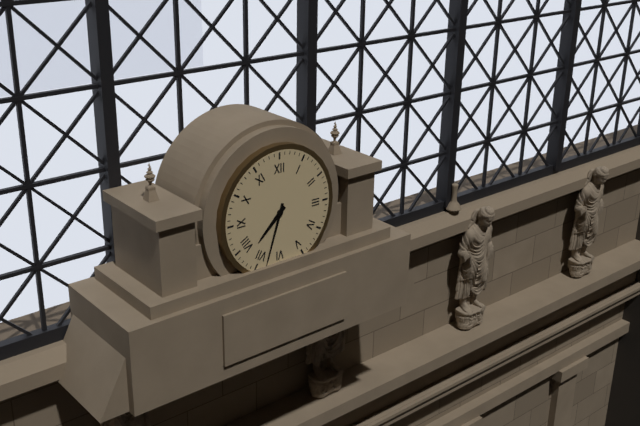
7:33
